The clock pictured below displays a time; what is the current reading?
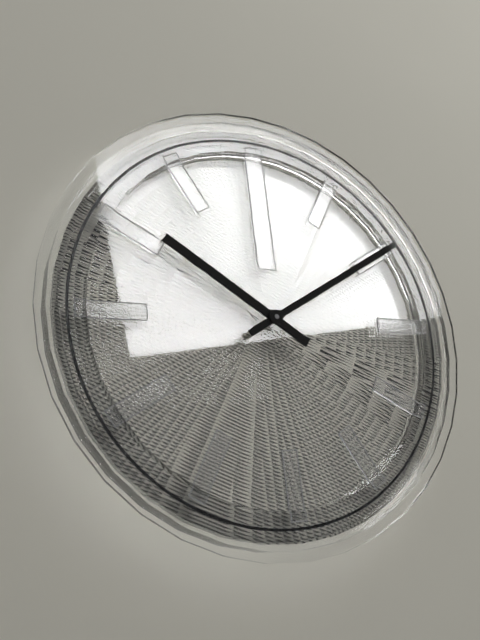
10:10
